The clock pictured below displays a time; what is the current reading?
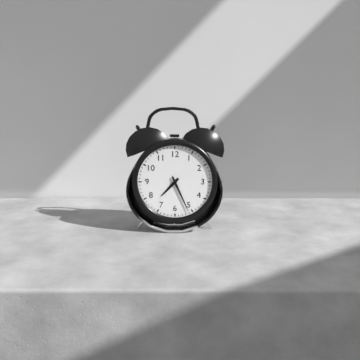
7:26
